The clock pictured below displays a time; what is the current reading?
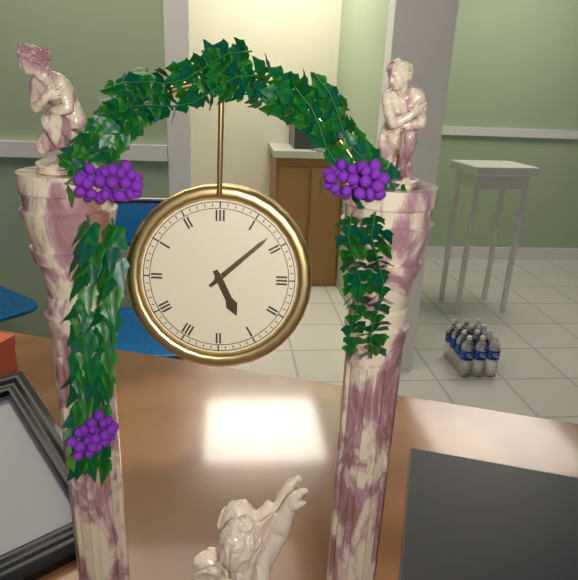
5:08
